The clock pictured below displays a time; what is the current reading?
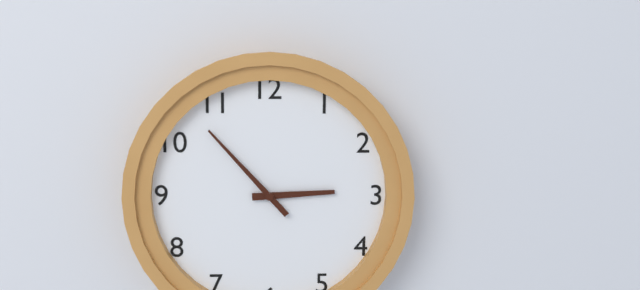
2:53
